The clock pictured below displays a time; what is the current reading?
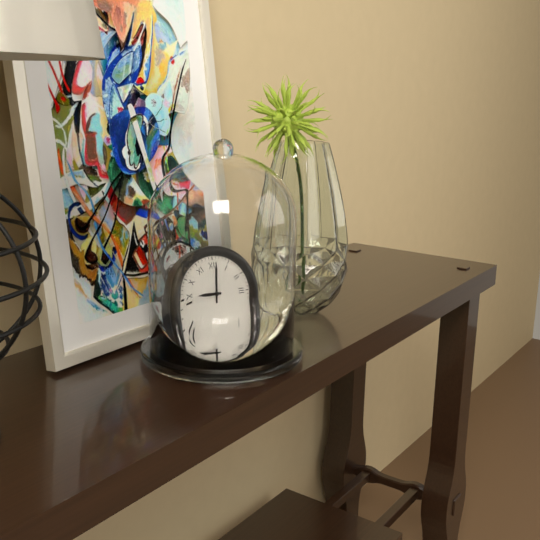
9:01
